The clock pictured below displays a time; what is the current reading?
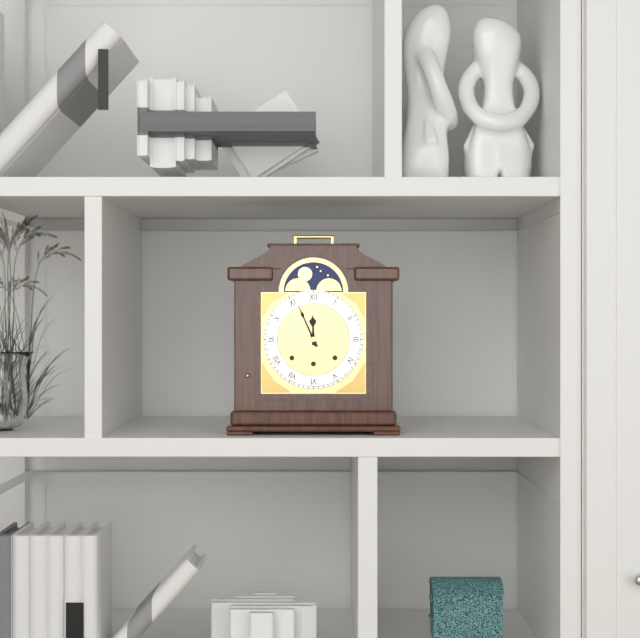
11:56
